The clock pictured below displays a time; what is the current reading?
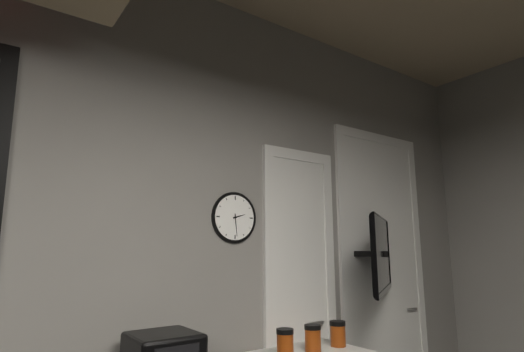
2:29
